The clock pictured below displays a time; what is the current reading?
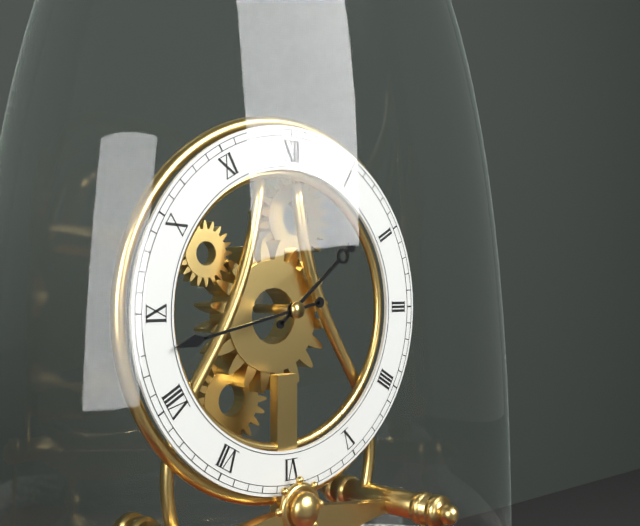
1:43
